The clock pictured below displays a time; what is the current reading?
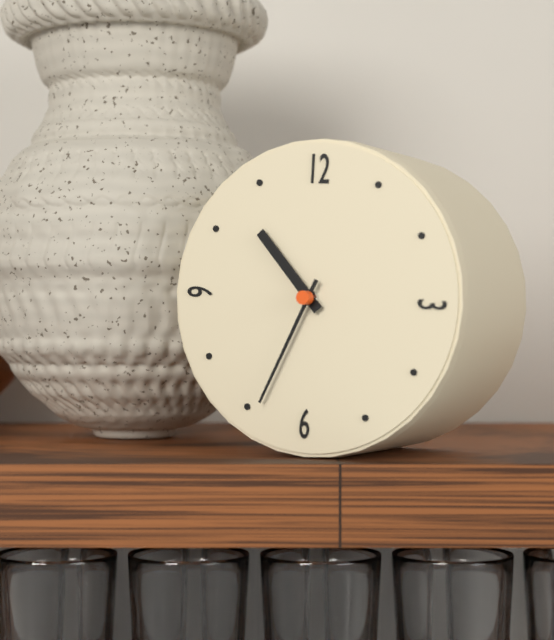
10:34
